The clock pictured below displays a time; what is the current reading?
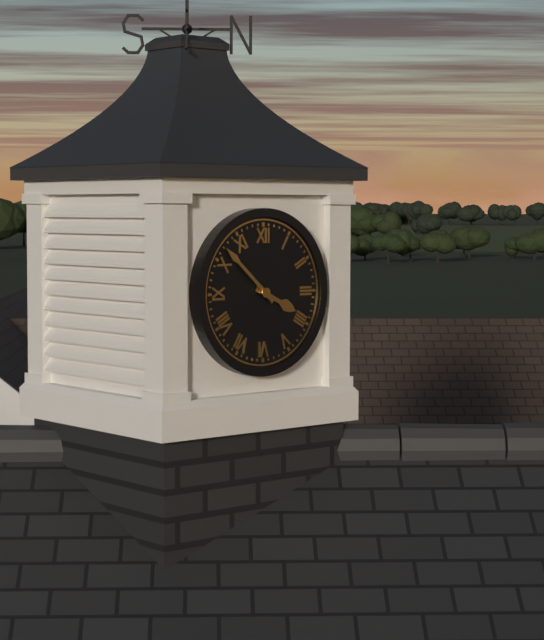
3:52
